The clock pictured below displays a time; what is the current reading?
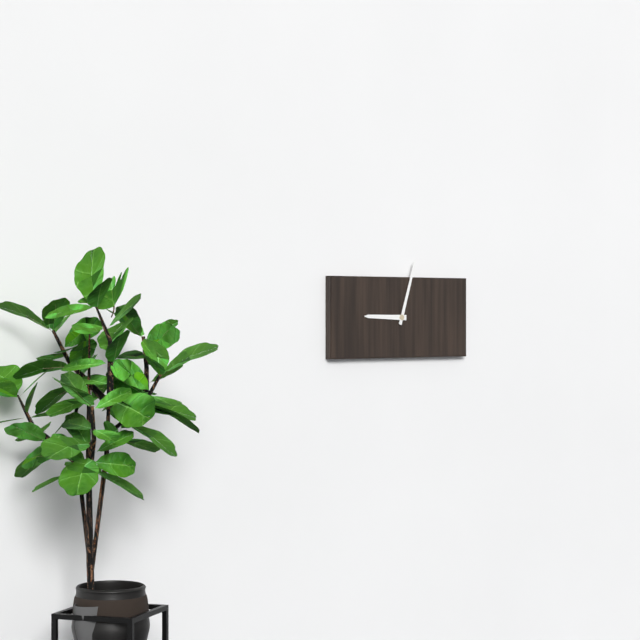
9:03
